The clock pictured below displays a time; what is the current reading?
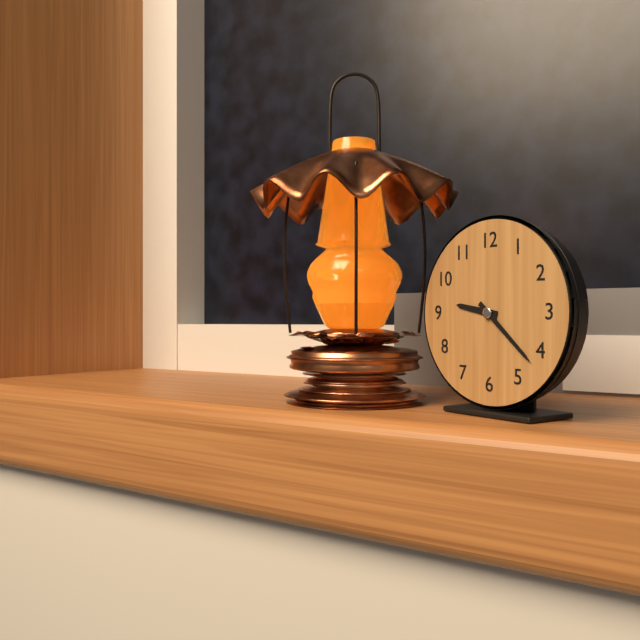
9:22
